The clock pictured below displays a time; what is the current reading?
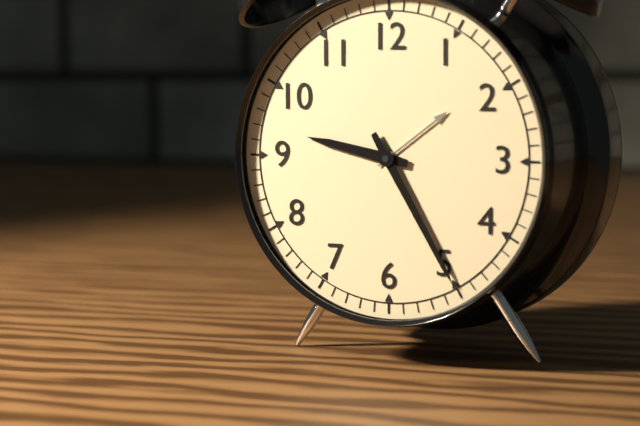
9:25
